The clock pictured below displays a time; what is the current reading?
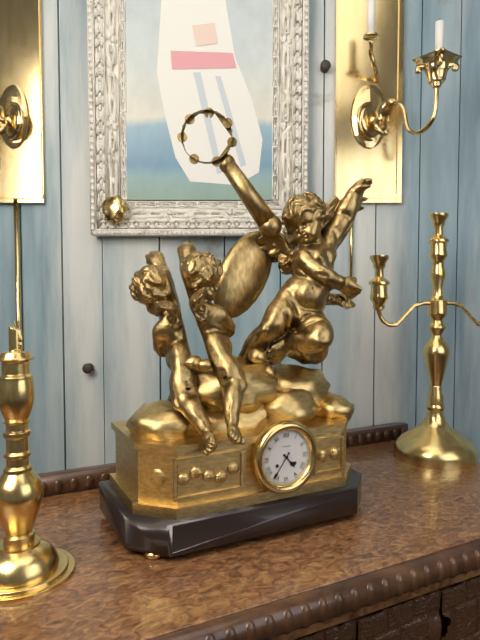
4:36
